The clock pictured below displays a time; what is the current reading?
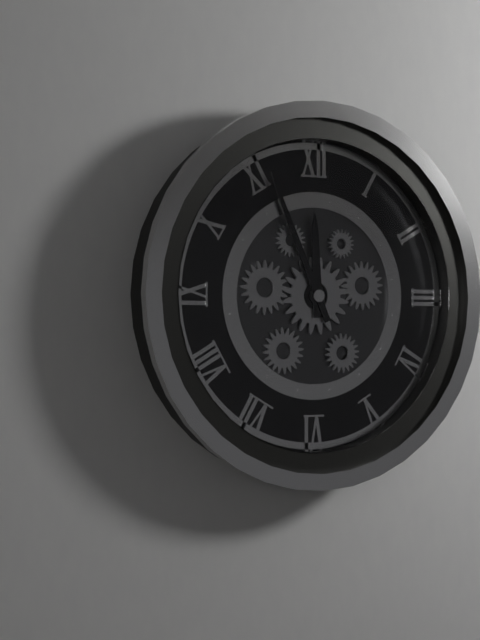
11:56
